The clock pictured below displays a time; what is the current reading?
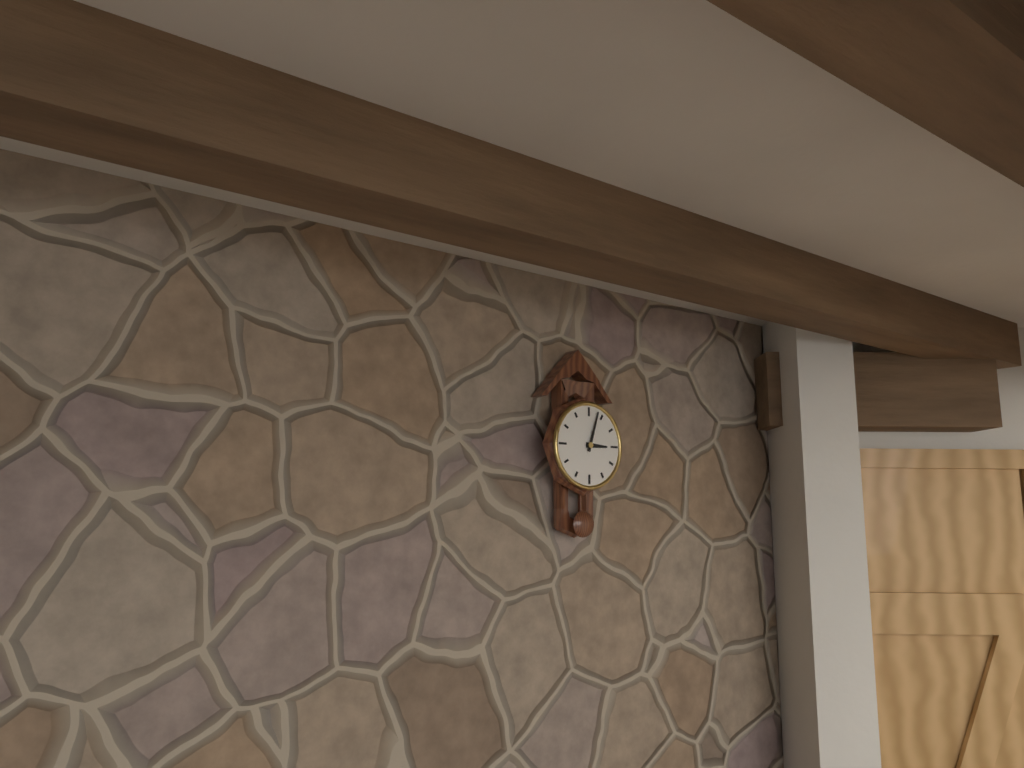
3:03
